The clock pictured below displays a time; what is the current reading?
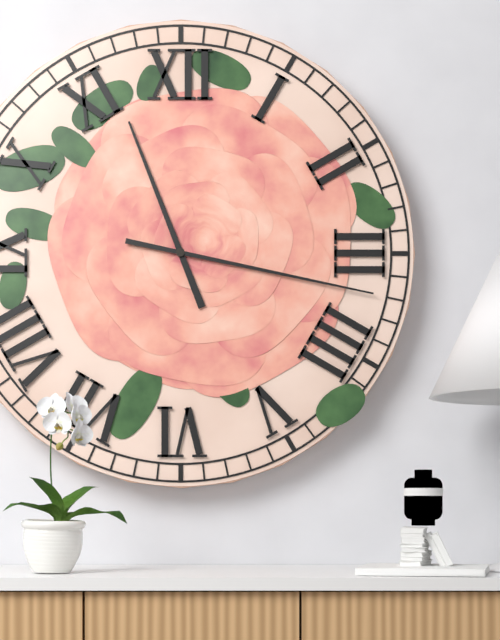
11:17
